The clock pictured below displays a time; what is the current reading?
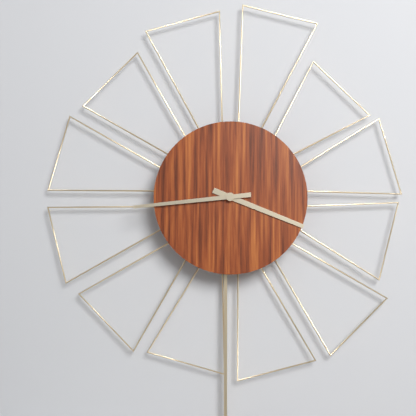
3:44
